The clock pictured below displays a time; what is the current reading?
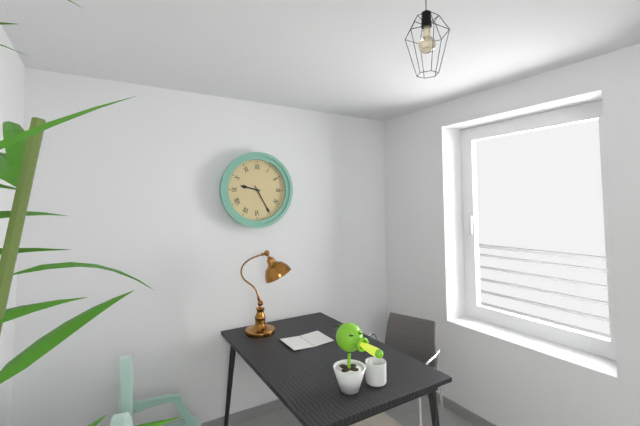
9:25
